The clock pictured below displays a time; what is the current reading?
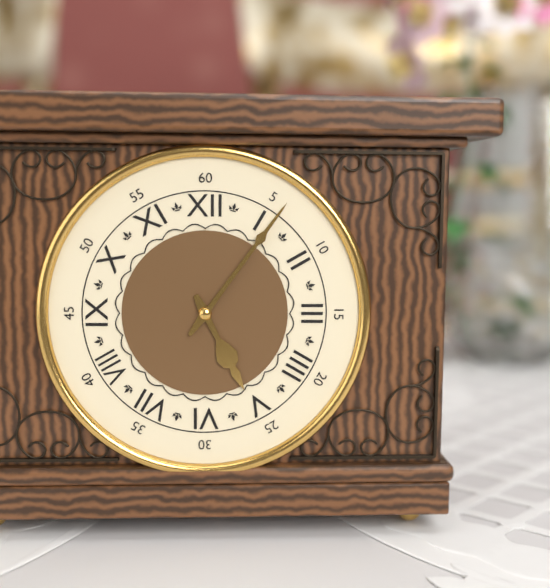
5:06
